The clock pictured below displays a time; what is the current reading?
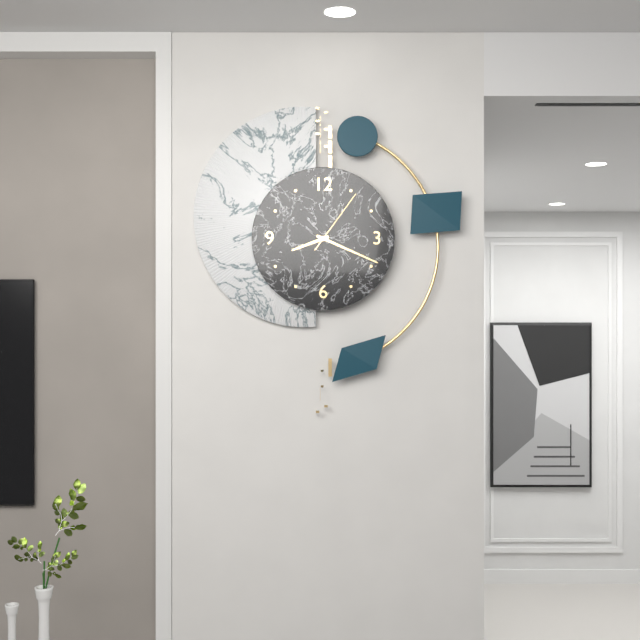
8:19:06
